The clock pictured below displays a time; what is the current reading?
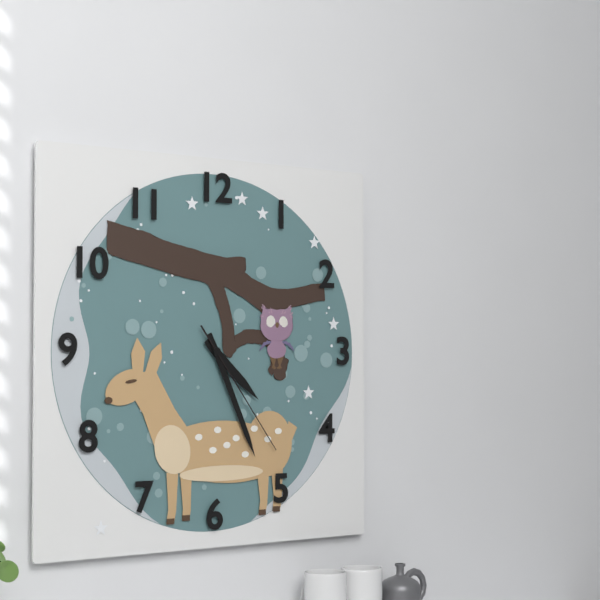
4:26:24
